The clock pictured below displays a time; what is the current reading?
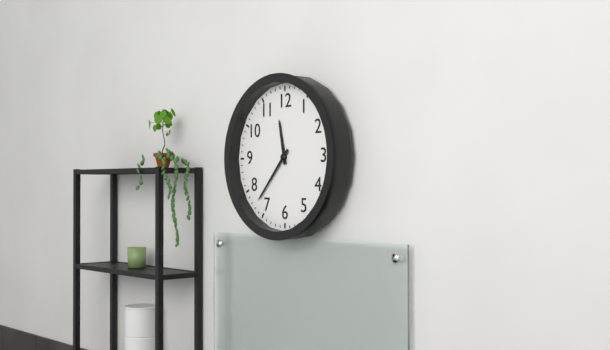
11:37
